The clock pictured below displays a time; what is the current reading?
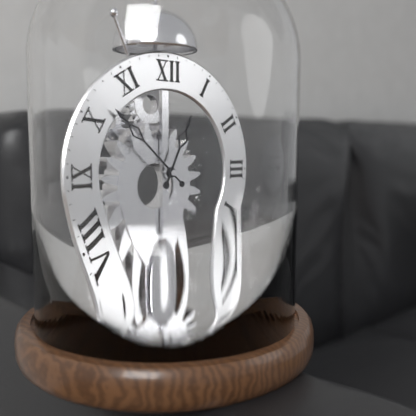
12:52
